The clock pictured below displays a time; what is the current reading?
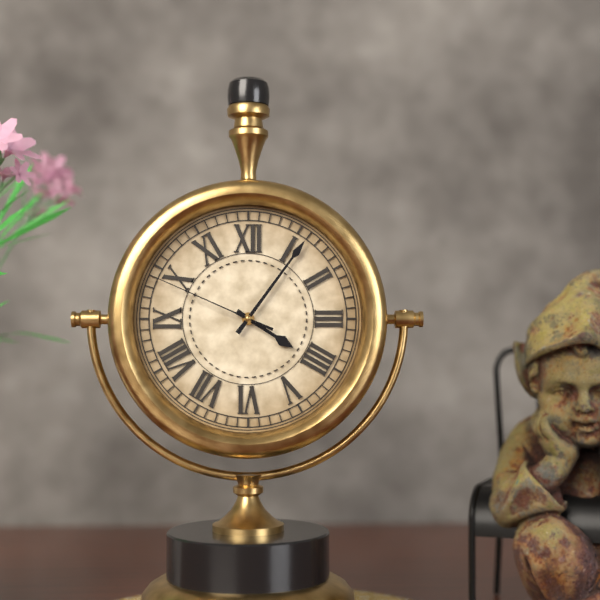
4:06:49
